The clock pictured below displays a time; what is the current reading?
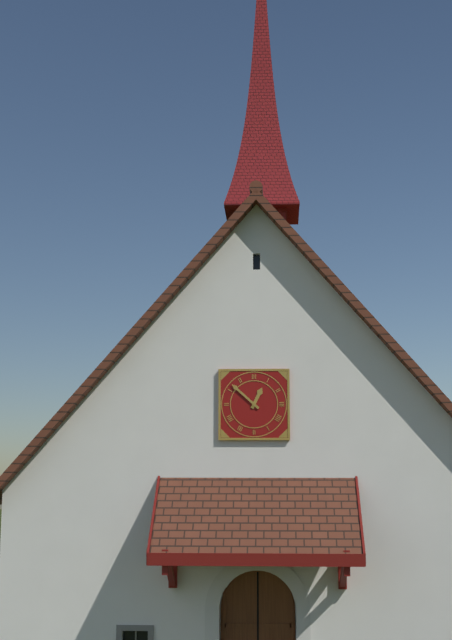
12:52
